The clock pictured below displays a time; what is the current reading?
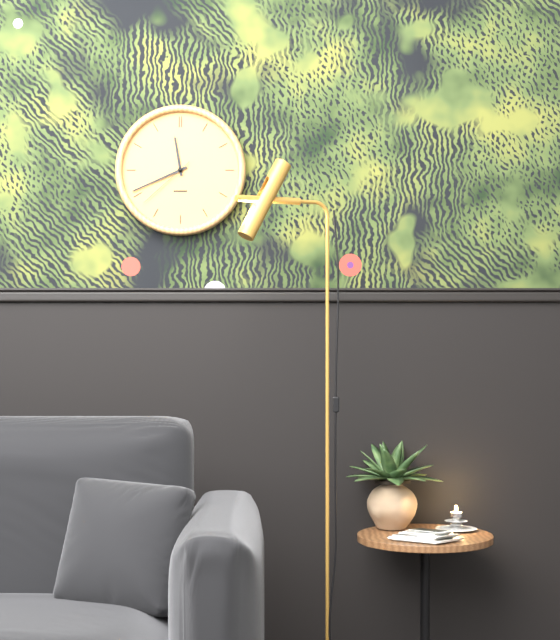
11:41:38
